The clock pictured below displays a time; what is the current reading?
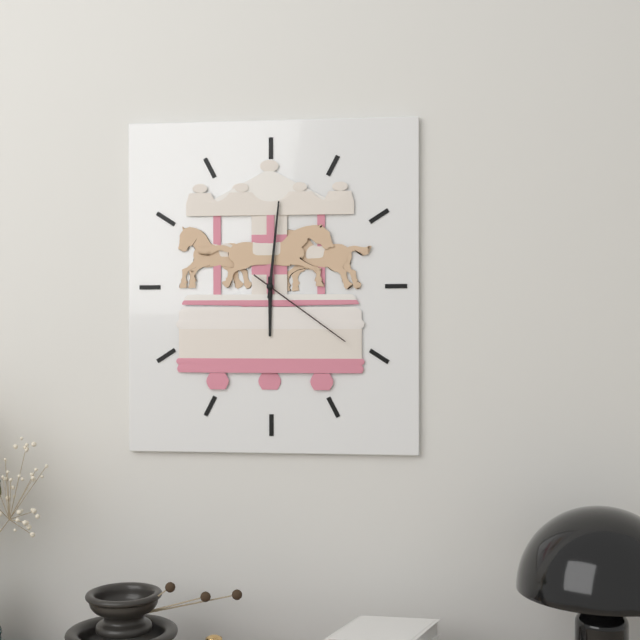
6:01:21
